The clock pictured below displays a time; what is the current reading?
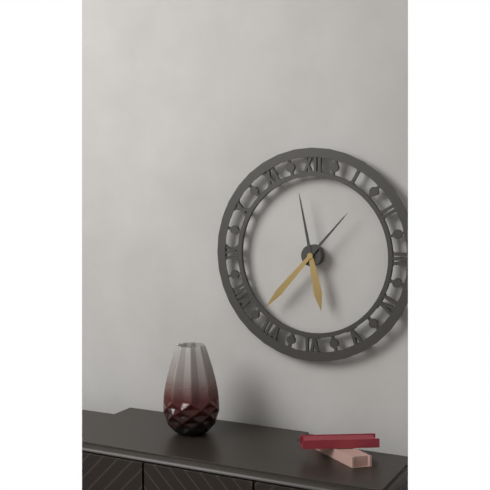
5:37
